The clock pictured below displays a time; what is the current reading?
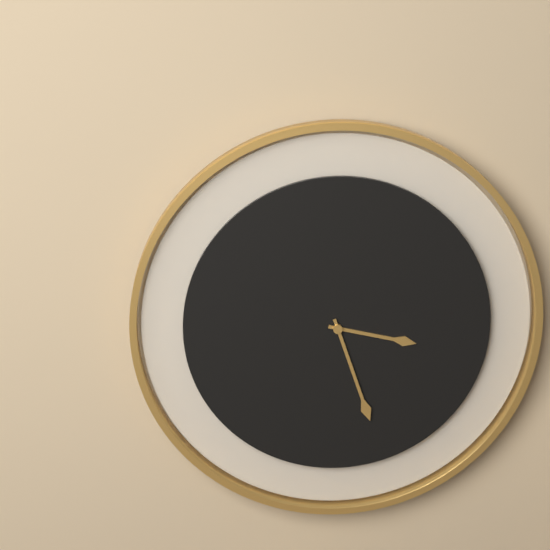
3:27
